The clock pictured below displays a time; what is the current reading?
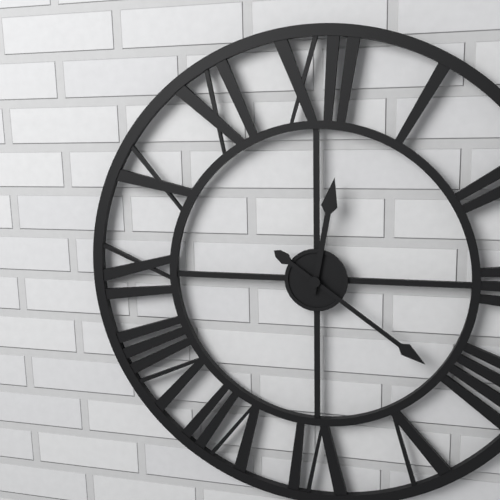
12:21
